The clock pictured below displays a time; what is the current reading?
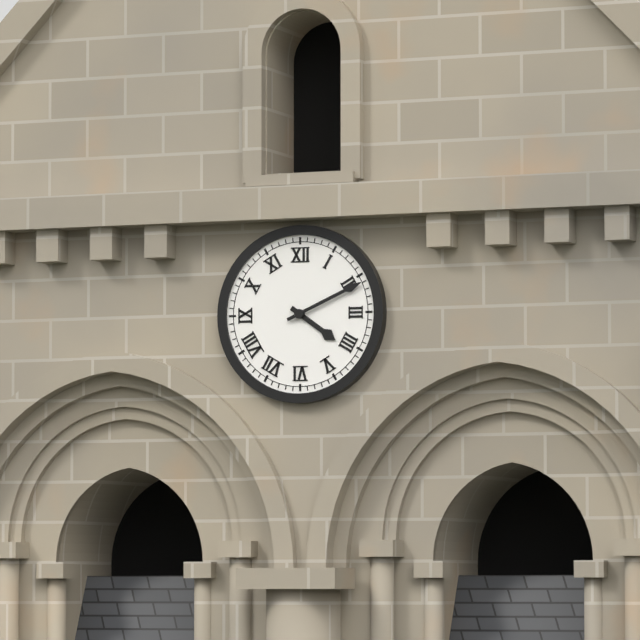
4:11
